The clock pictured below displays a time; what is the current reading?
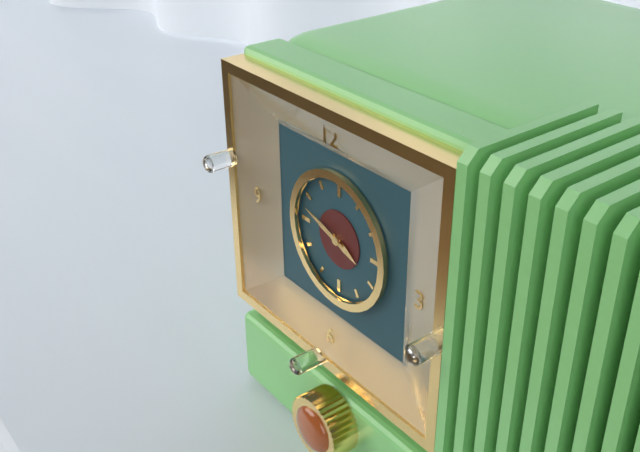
3:48
